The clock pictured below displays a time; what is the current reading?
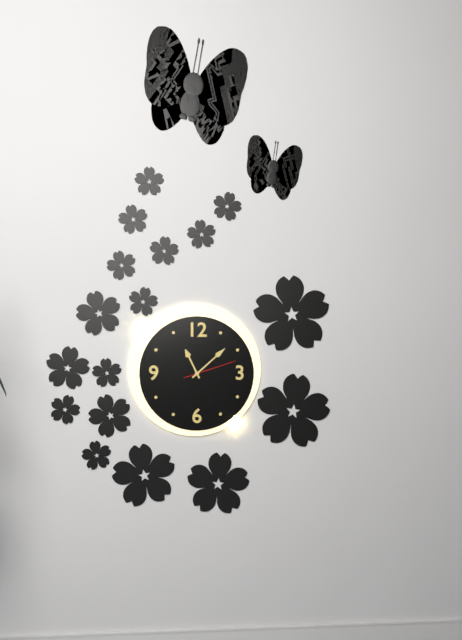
11:08:12
